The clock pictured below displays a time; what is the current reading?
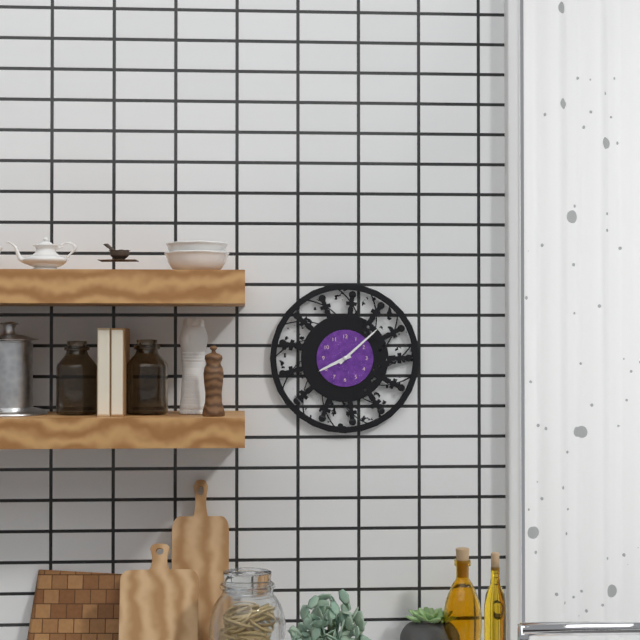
8:08
